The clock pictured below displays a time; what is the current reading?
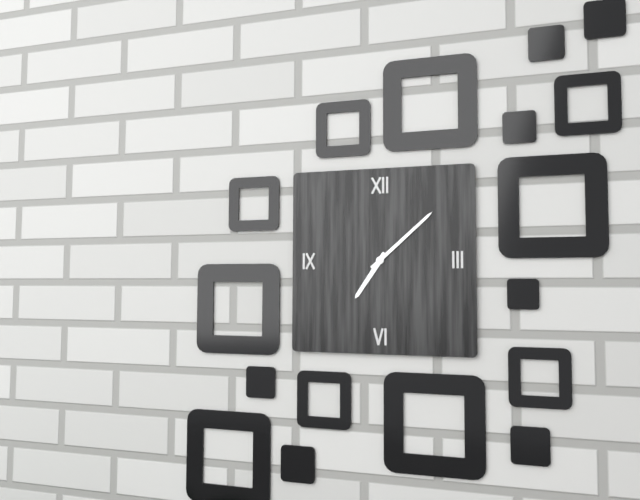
7:08
